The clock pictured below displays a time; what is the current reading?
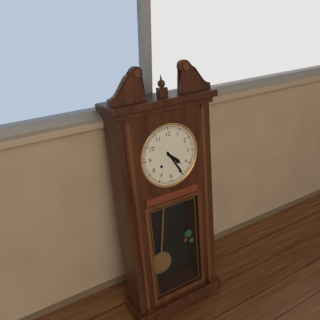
4:25
